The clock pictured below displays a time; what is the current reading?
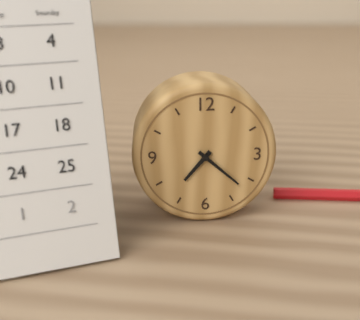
7:22
